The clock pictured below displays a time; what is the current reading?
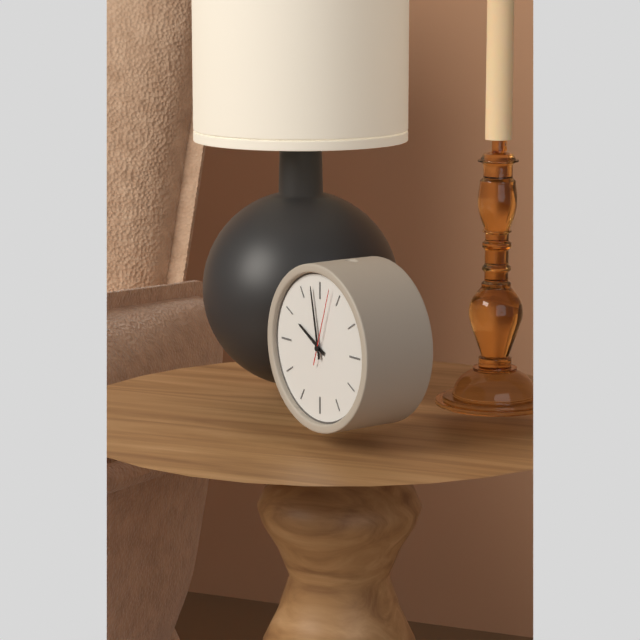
9:58:03
